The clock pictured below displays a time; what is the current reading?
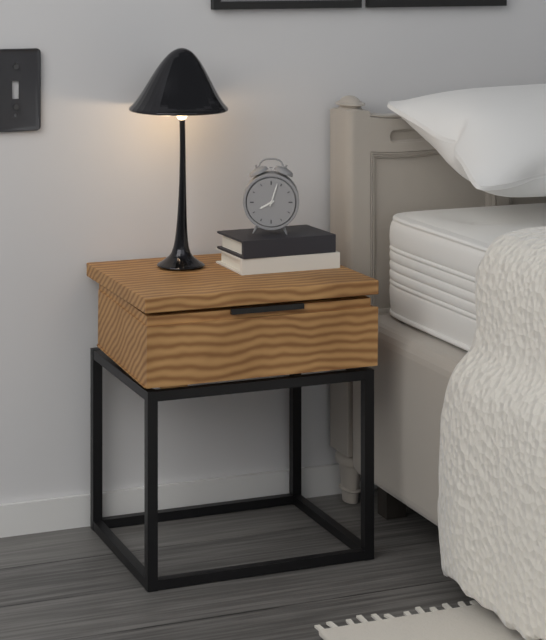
8:03
